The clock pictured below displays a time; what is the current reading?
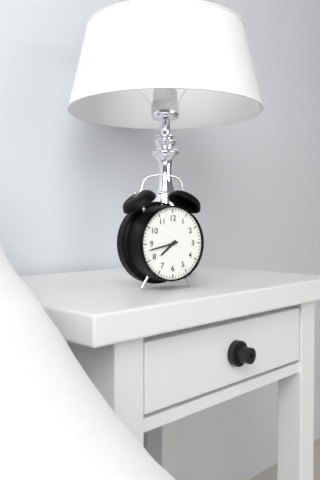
7:43
